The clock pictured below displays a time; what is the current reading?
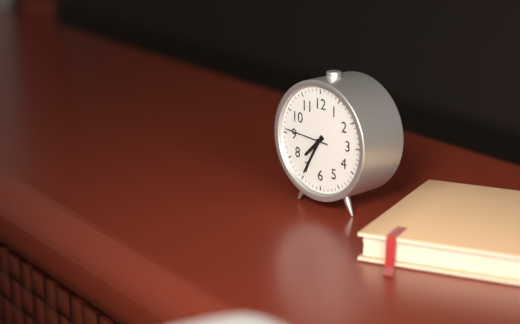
7:35
